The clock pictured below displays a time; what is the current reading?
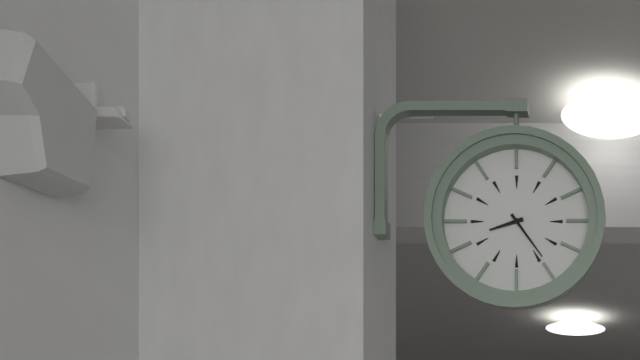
8:24
